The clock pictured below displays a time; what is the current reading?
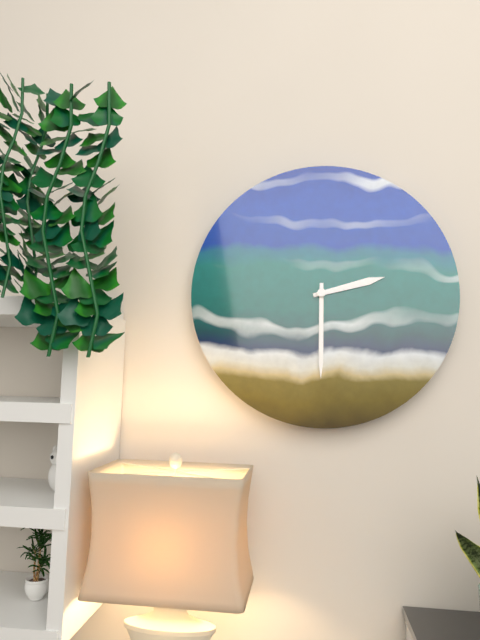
2:30
